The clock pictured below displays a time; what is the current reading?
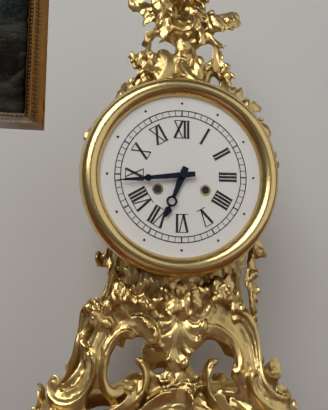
6:44
